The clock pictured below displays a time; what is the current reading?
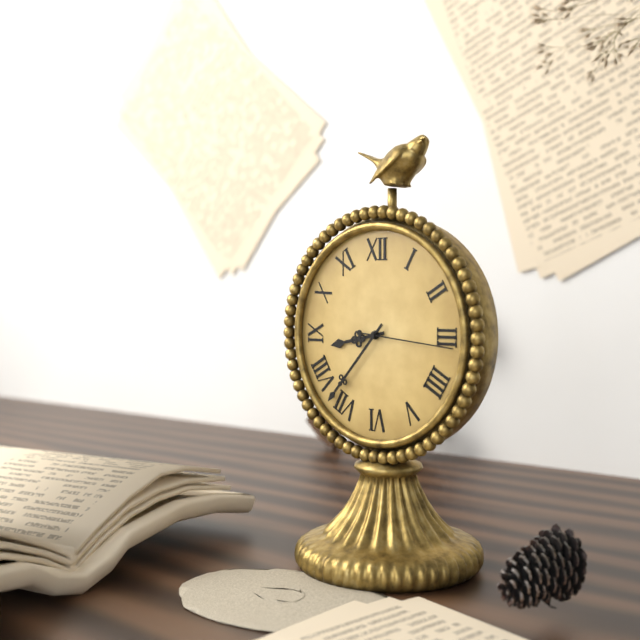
8:37:16
